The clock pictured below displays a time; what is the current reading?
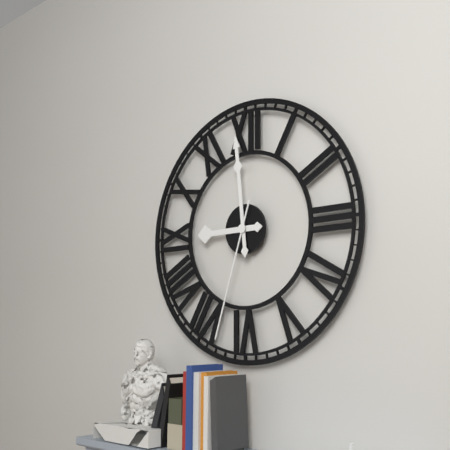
8:59:33
